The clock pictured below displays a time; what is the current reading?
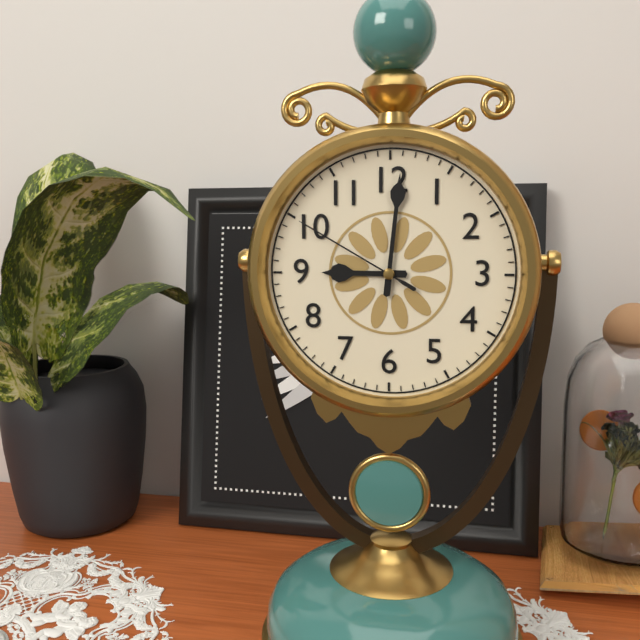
9:01:50
